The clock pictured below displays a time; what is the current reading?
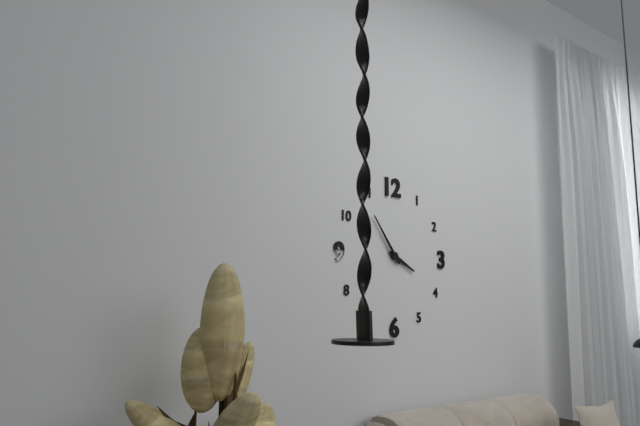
3:54
